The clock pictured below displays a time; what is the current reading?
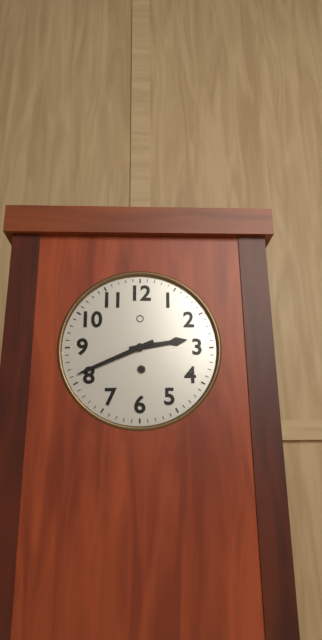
2:41
